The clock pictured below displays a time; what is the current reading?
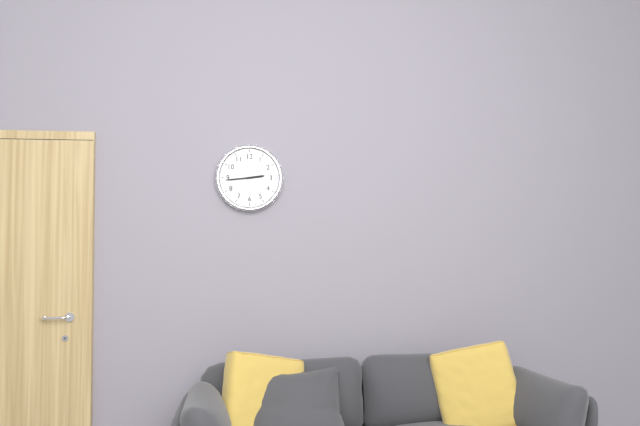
2:44
